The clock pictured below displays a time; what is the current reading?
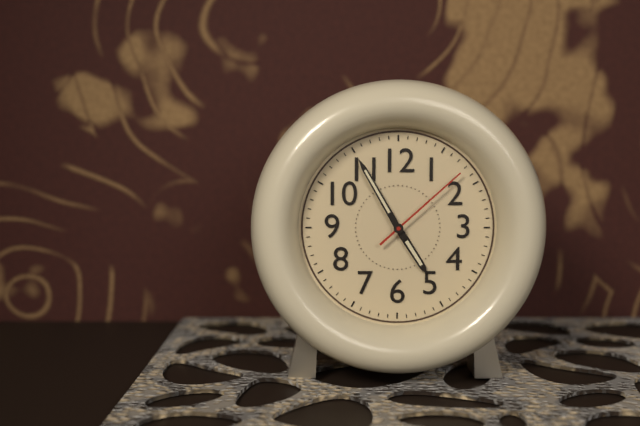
4:55:08
